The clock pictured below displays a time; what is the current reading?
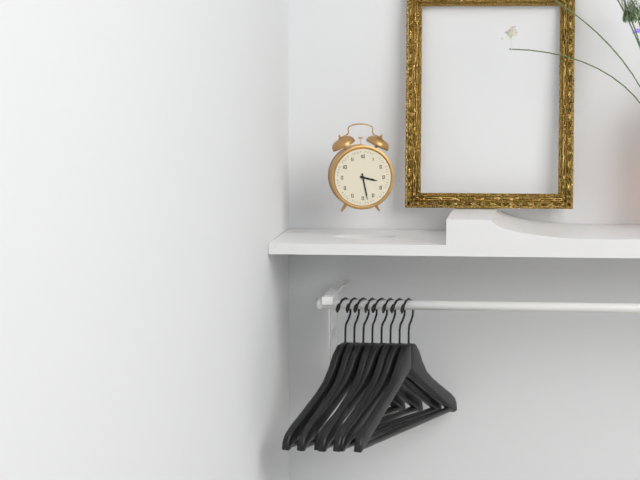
3:28
